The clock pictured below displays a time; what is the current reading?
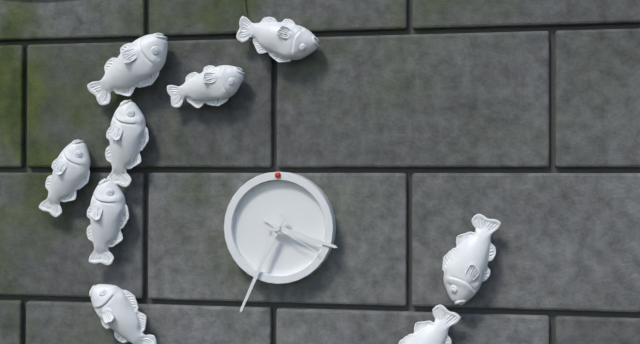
3:34:20
